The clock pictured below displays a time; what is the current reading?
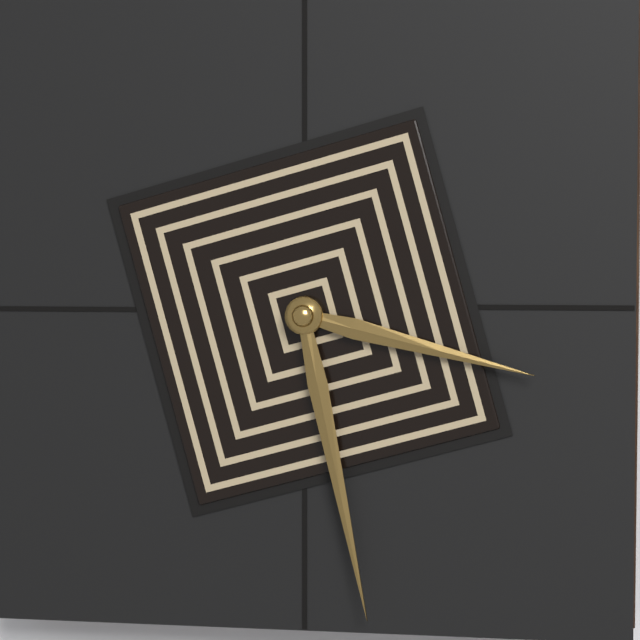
3:28
